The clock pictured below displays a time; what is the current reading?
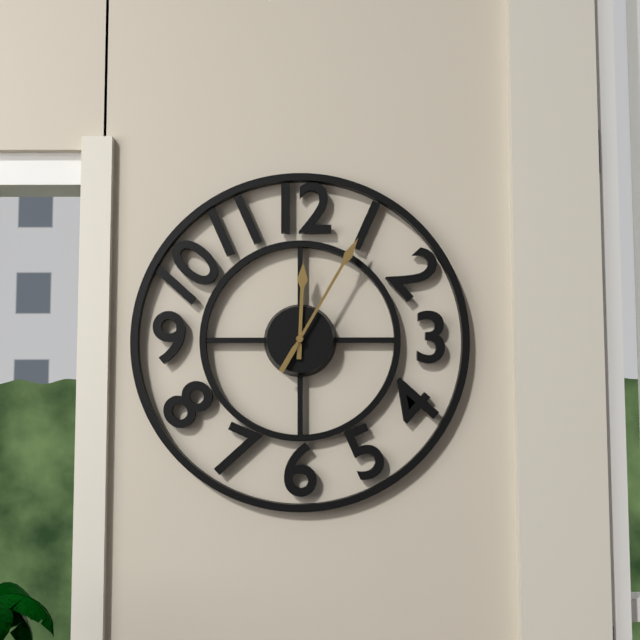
12:05
